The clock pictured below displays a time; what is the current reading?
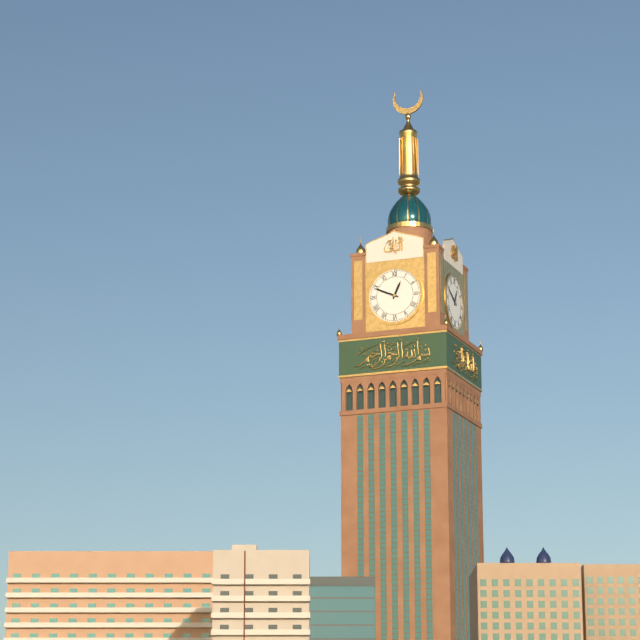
12:49
